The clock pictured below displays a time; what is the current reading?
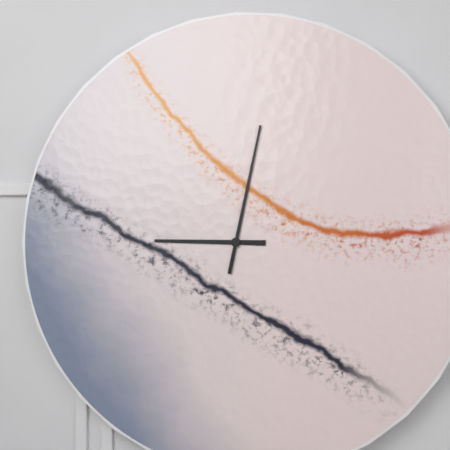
9:02
